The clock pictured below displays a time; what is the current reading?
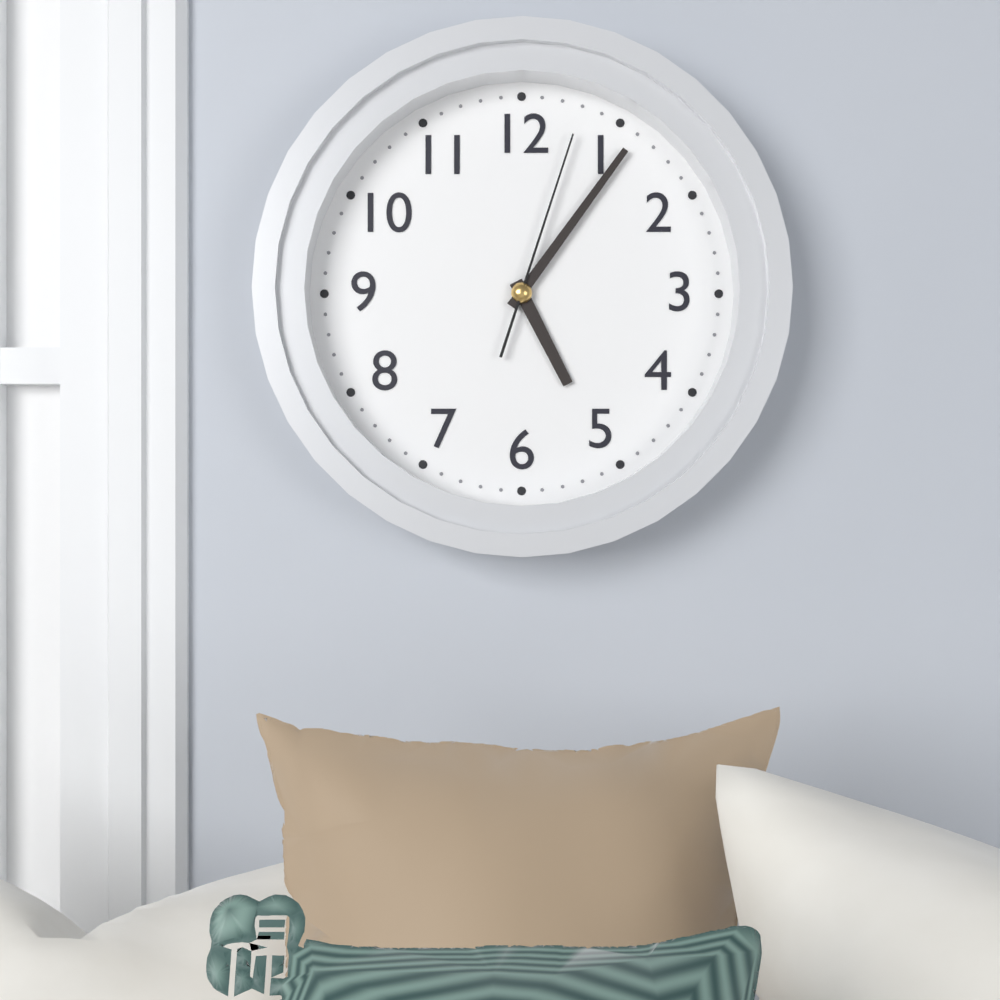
5:06:03
